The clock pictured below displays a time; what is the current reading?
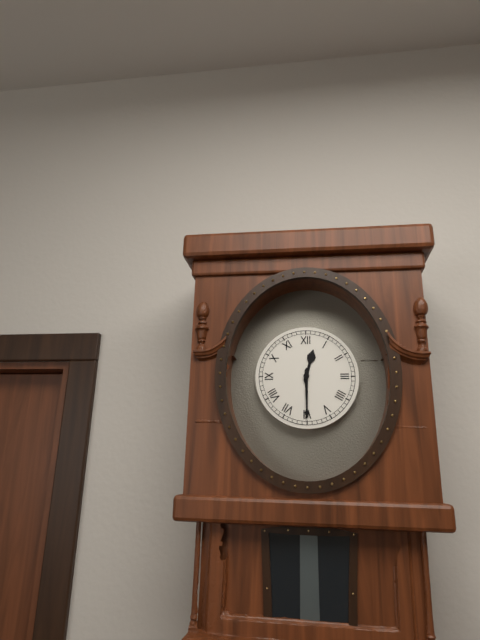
12:30
